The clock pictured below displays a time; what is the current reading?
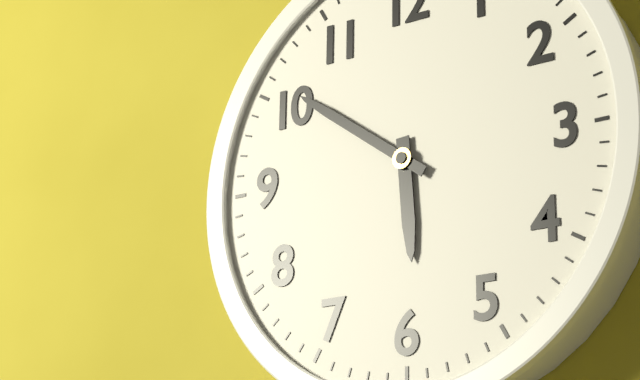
5:51
